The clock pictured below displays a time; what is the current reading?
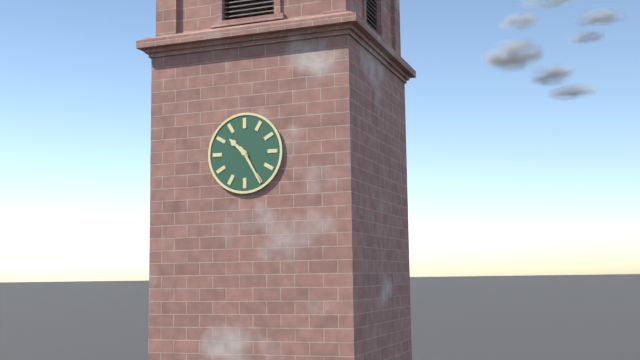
10:25
